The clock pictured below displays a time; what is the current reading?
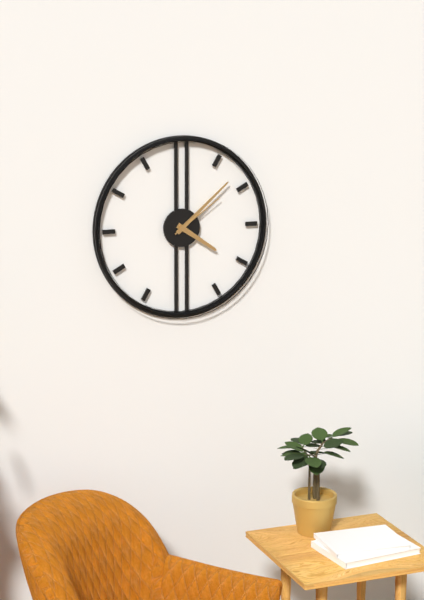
4:08:09
